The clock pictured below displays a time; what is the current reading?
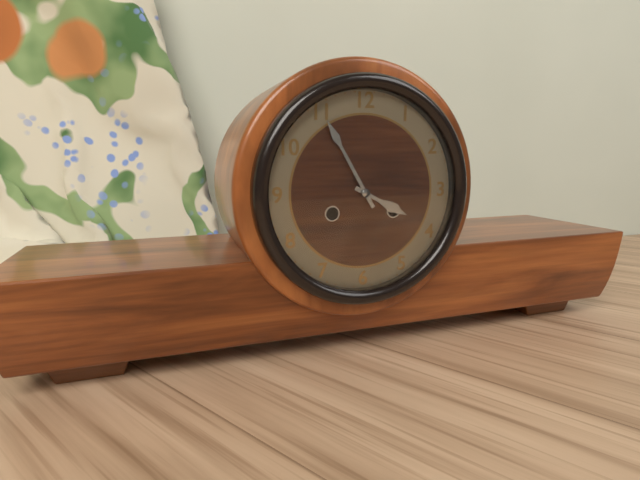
3:55
